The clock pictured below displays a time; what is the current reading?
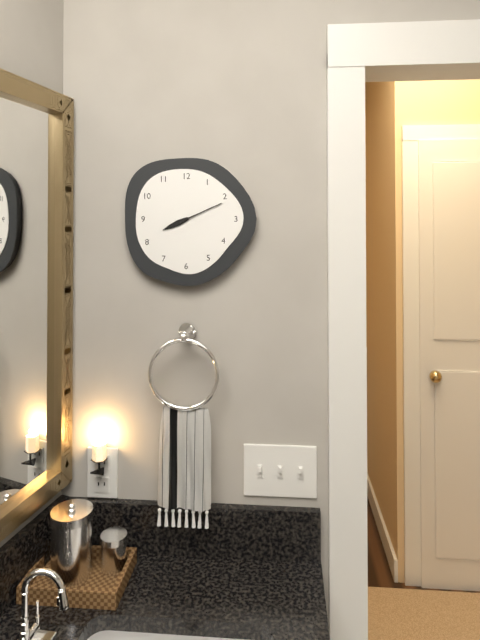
8:11
